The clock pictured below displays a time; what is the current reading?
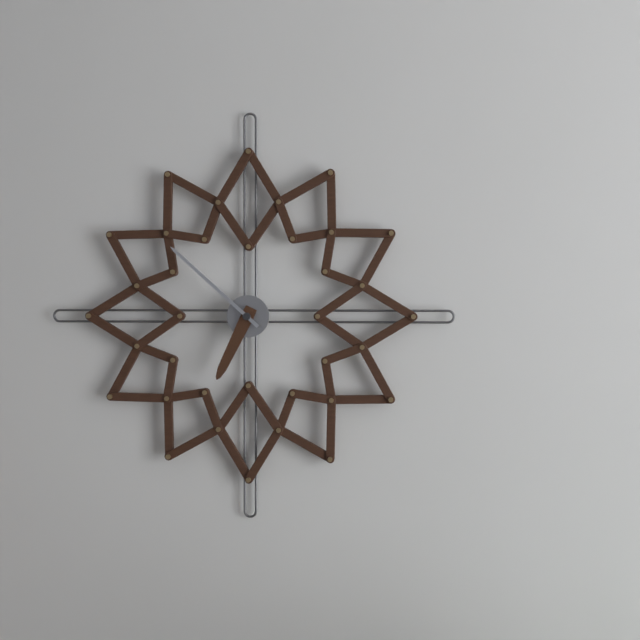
6:52
